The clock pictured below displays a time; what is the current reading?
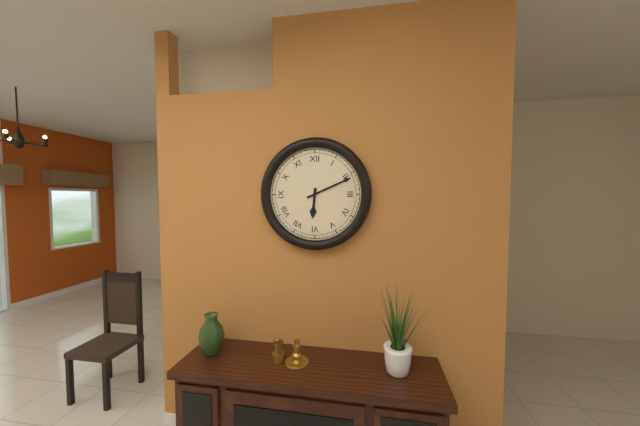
6:11
